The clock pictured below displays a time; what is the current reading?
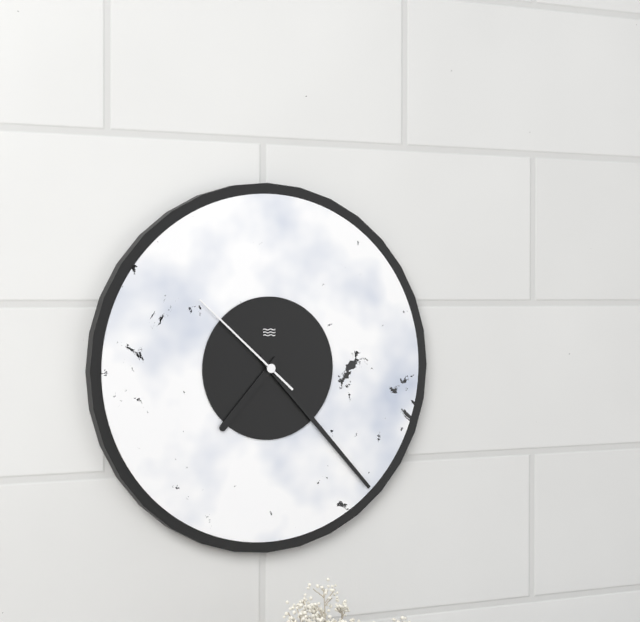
7:23:52
